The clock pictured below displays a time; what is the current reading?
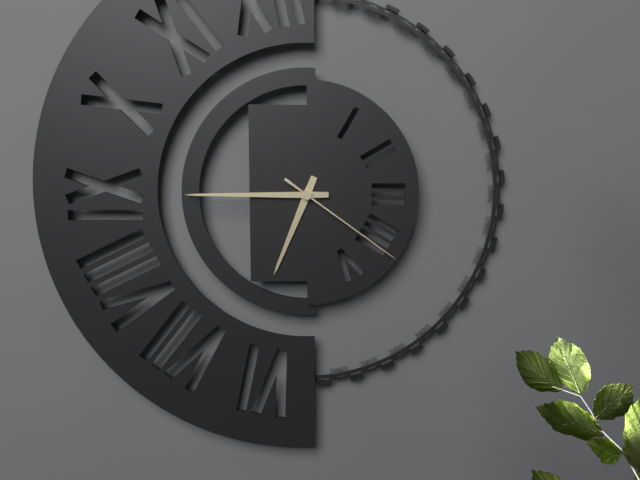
6:45:21
